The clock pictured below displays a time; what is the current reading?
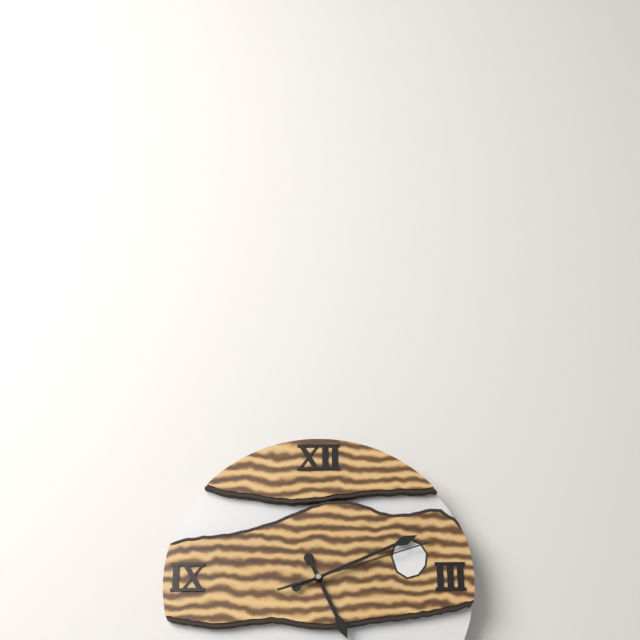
5:11:12
